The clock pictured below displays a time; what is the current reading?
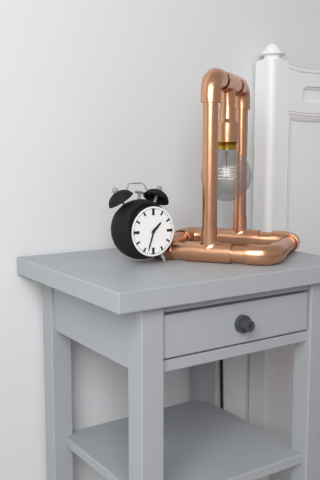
1:33
